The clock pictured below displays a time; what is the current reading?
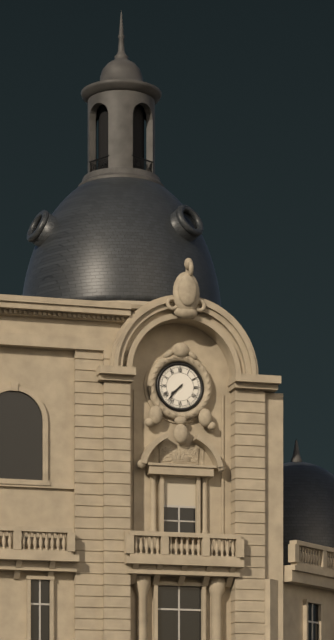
7:37
